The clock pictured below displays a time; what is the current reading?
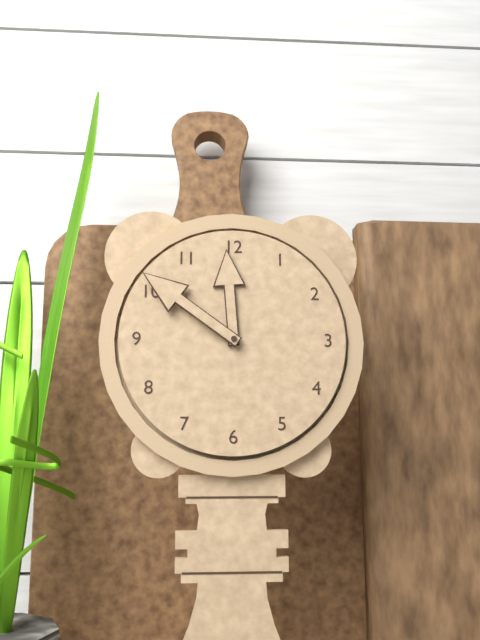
11:51
